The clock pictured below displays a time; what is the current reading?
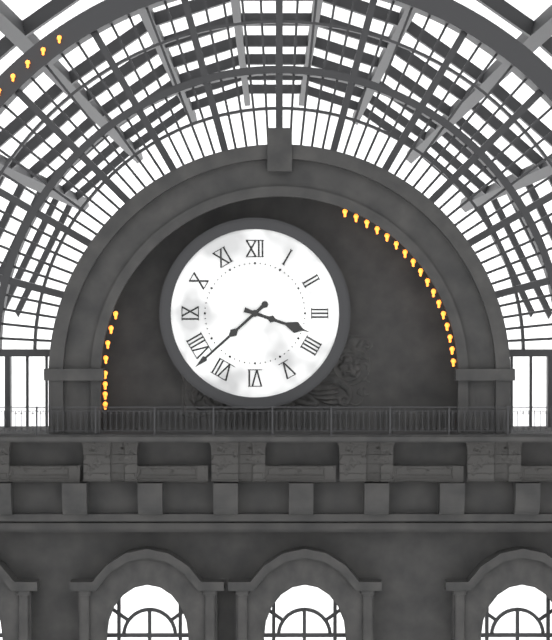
3:38
